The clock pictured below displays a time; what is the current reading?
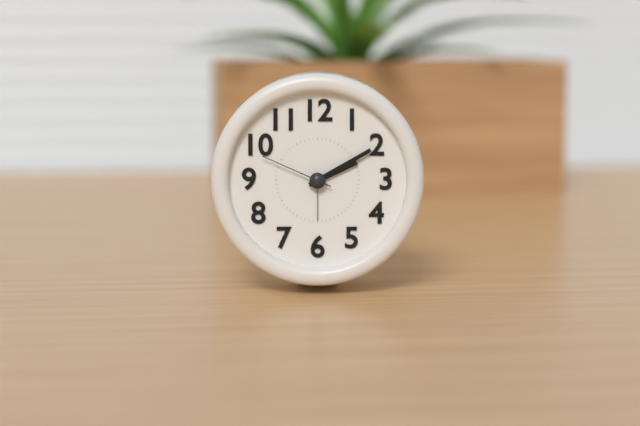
2:10:49
